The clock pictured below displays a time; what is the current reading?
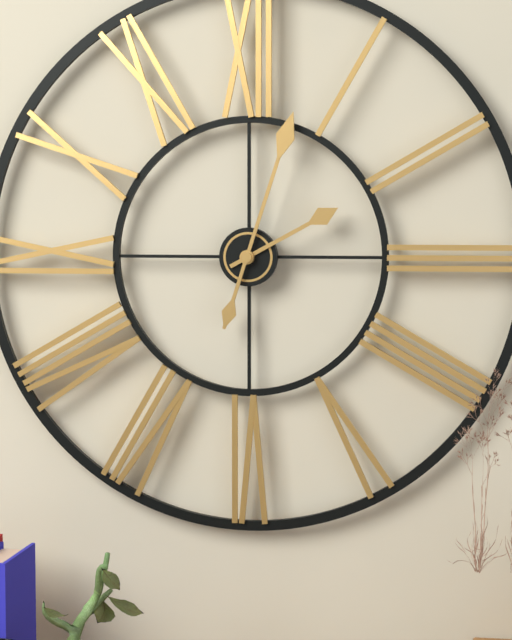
2:03
